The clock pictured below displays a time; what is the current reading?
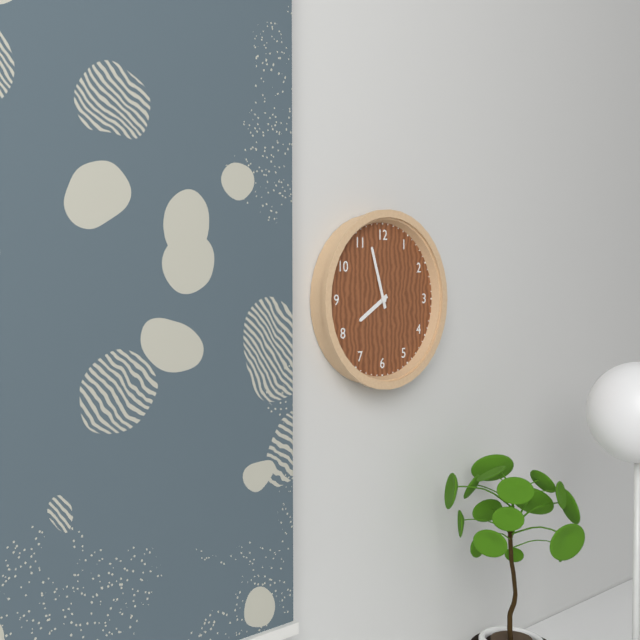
7:57
